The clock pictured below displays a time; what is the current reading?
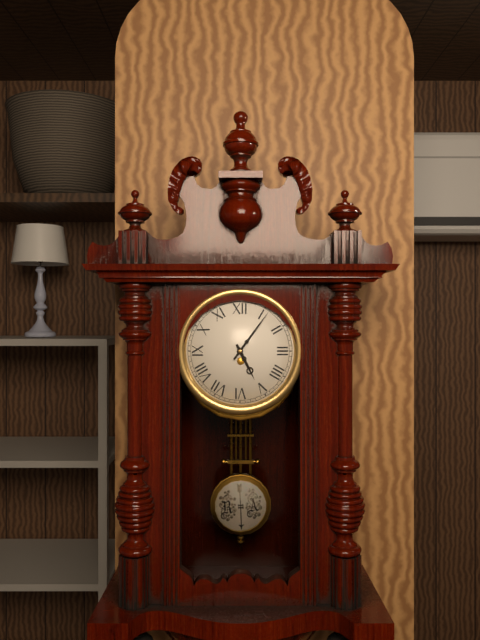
5:06
